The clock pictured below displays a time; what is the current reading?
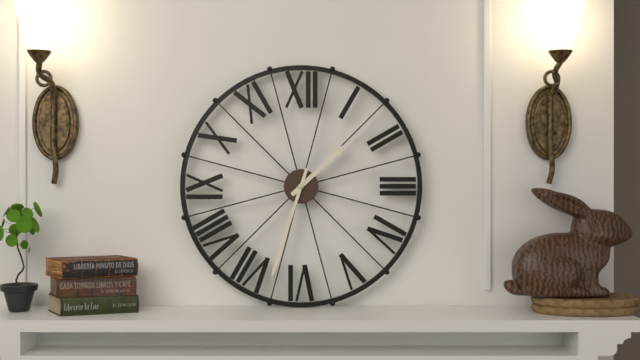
1:33
